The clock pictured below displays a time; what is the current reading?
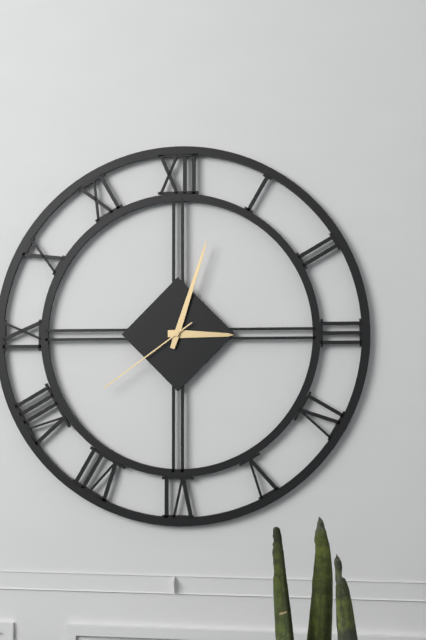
3:03:39
